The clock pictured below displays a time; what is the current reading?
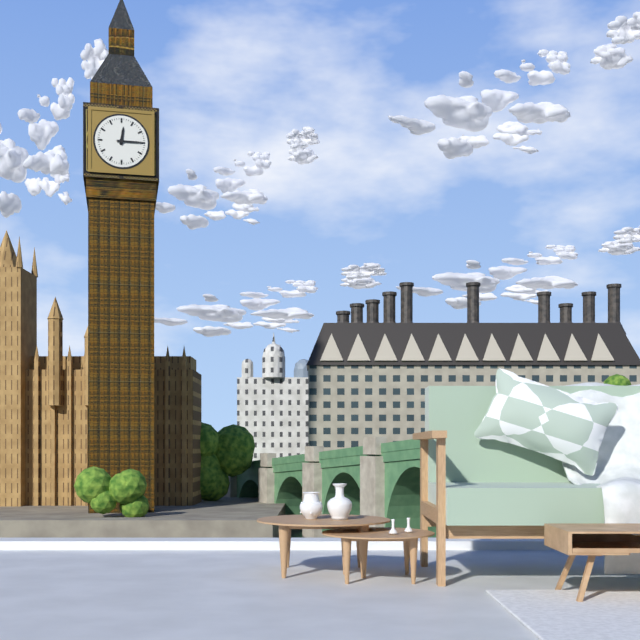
12:15
